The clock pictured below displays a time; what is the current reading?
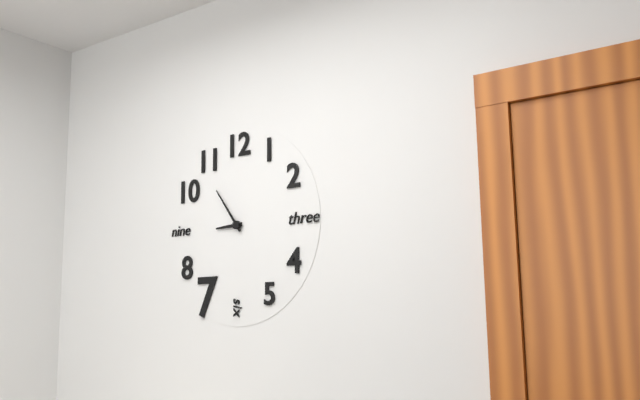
8:54
